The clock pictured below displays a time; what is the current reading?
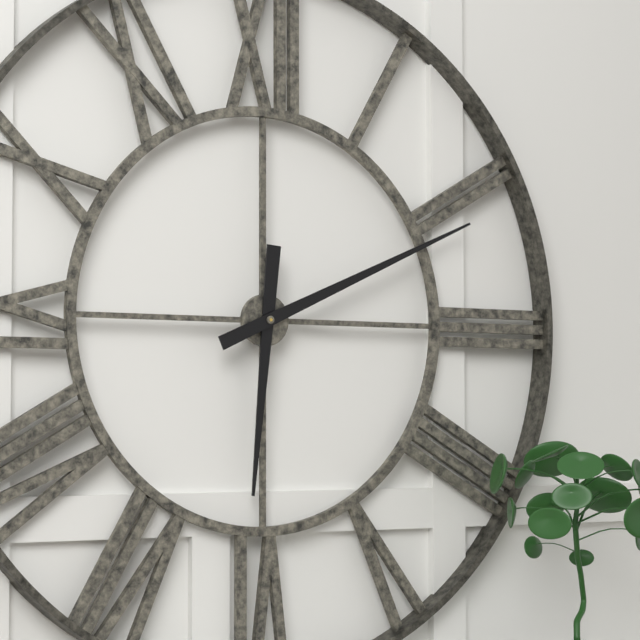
6:11
